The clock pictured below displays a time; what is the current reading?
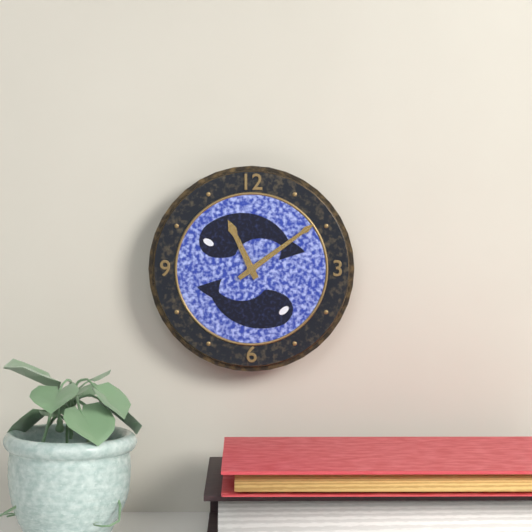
11:09
